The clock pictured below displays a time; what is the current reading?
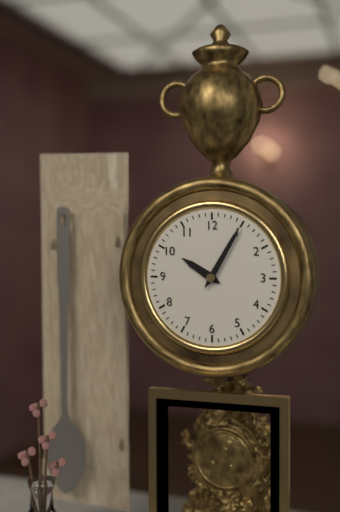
10:05
